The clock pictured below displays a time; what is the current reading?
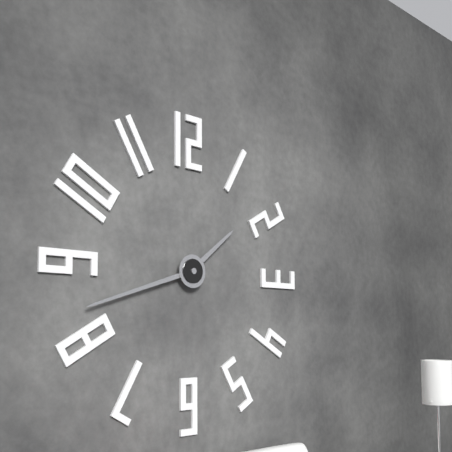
1:42
